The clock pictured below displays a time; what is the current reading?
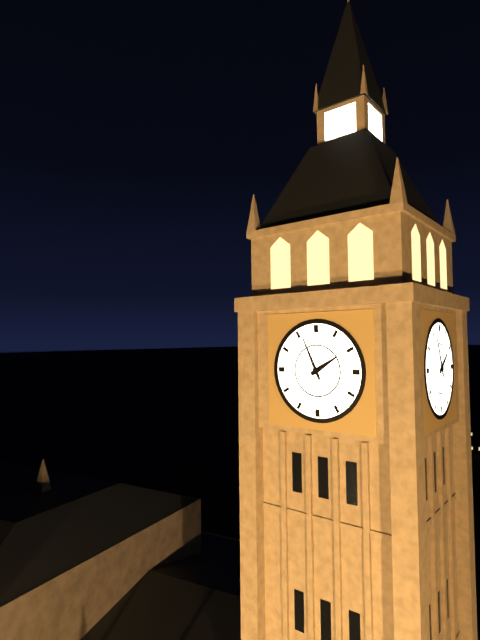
1:56
